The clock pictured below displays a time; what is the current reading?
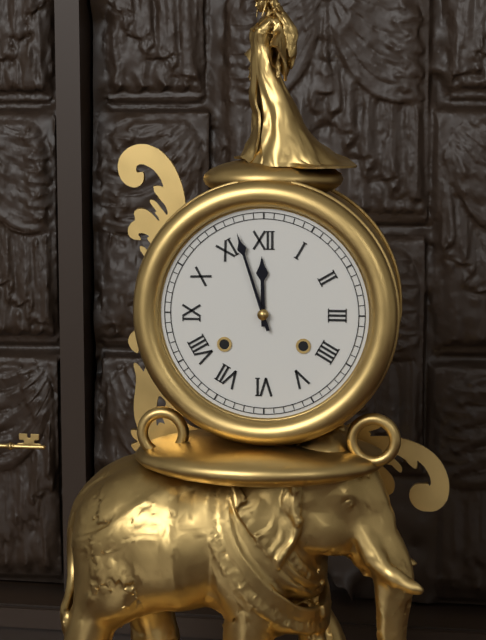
11:57
